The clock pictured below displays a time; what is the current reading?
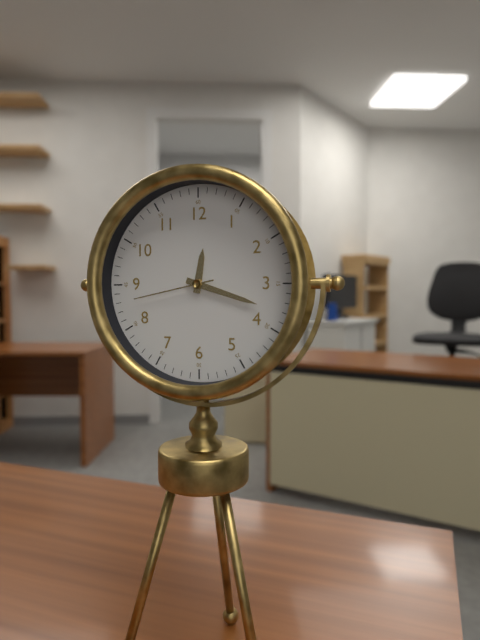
12:18:43
